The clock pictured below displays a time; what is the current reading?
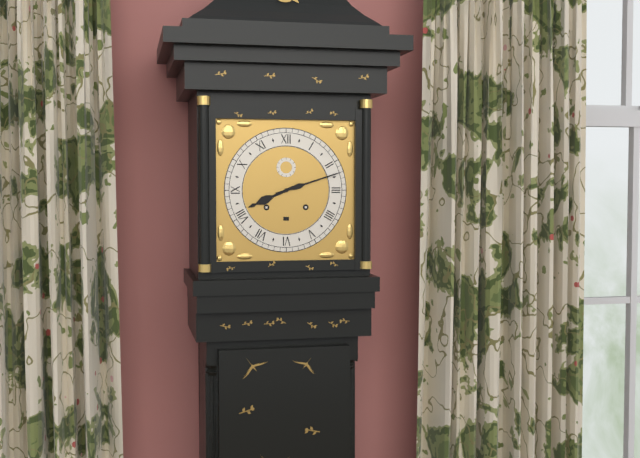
8:12
